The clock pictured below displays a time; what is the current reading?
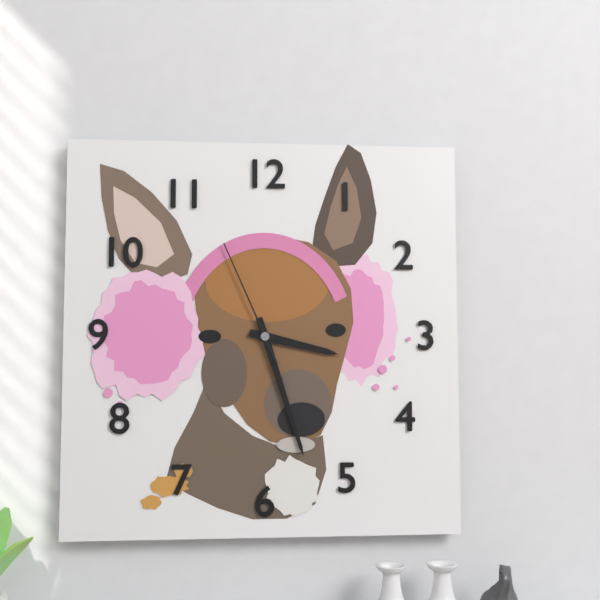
3:27:56
